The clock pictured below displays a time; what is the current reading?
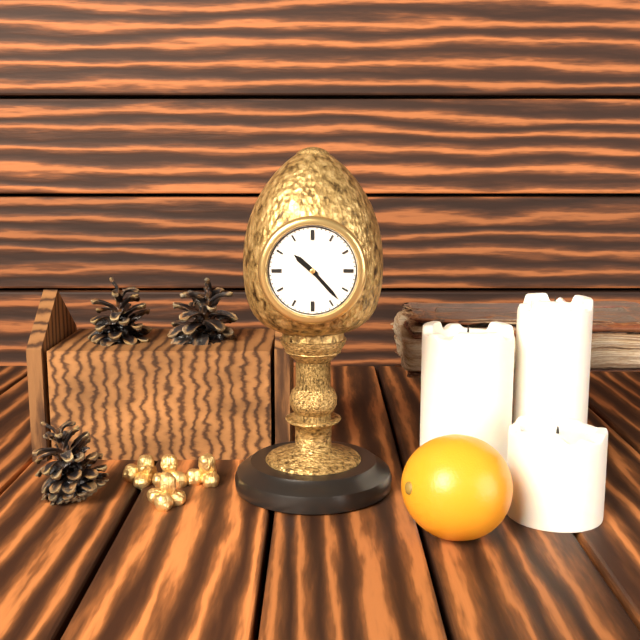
10:23
